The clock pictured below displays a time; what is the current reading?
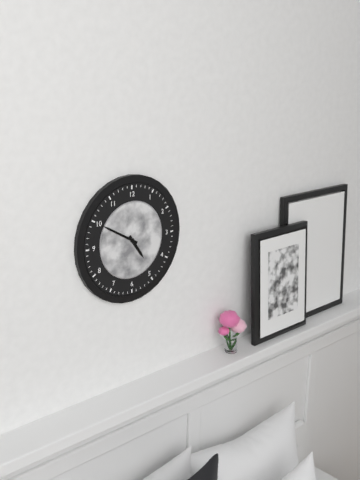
4:50
